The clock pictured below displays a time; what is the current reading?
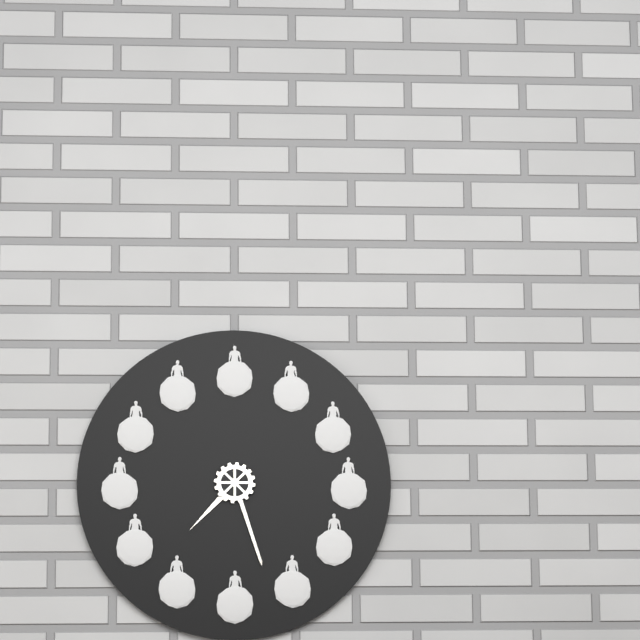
7:27
